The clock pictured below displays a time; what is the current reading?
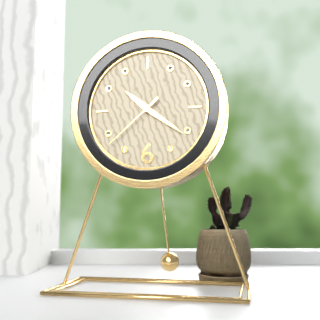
10:21:38
